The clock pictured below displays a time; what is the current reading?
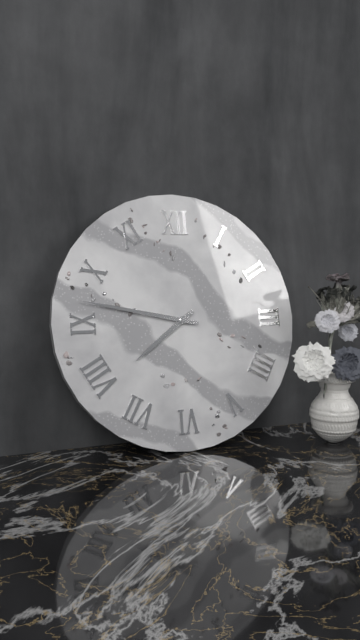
7:47
